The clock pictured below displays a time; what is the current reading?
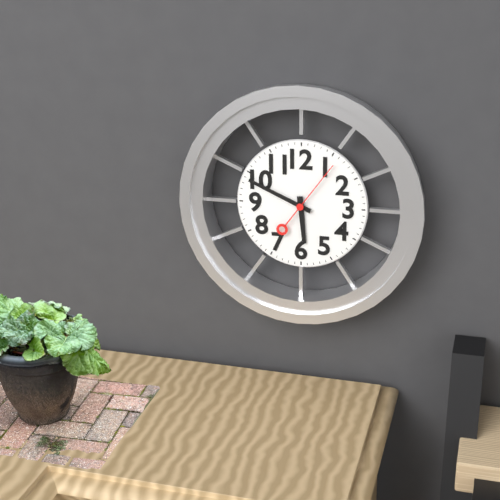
5:49:06
